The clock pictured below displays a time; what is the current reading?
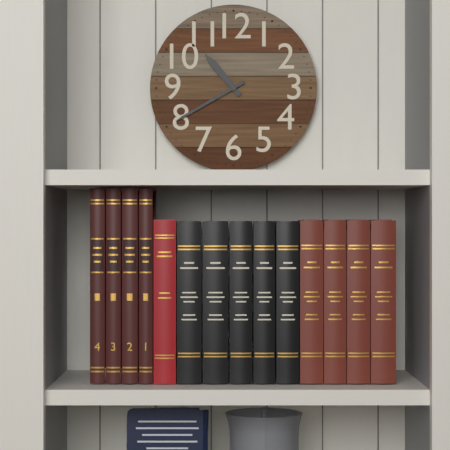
10:40
